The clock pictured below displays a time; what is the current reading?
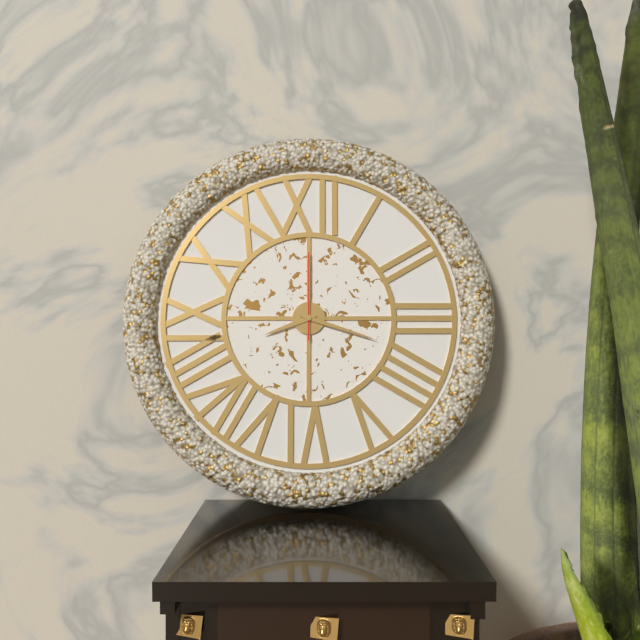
8:18:00
